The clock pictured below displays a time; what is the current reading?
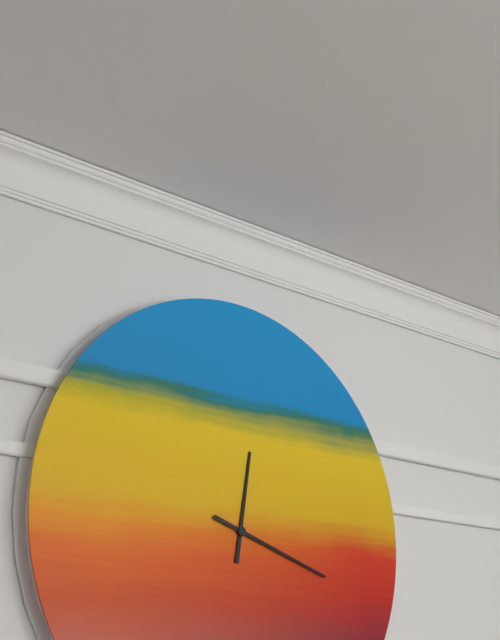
12:18
